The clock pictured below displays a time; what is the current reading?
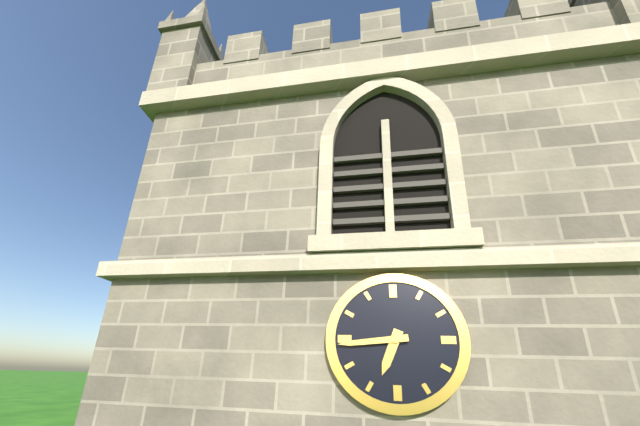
6:44
